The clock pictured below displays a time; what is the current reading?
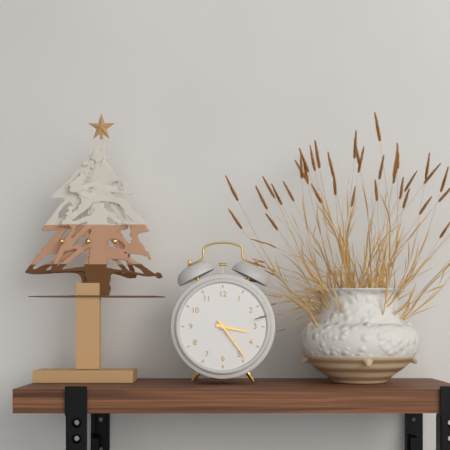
3:24
